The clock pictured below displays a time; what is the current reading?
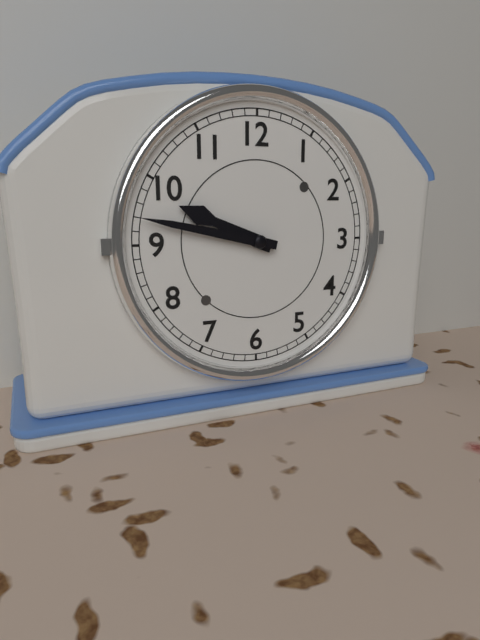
9:47
